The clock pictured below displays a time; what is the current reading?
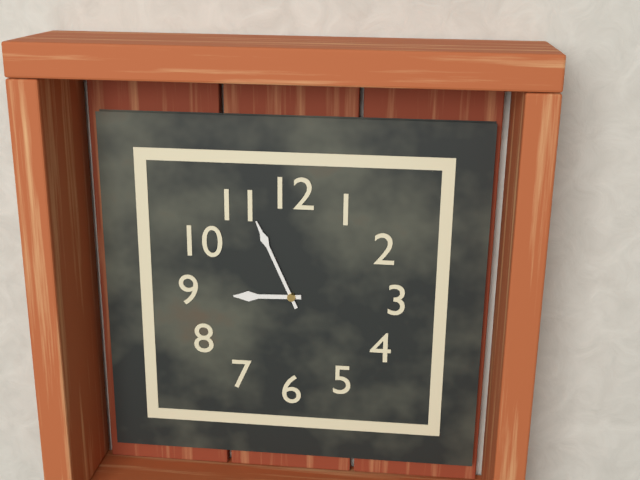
8:56
